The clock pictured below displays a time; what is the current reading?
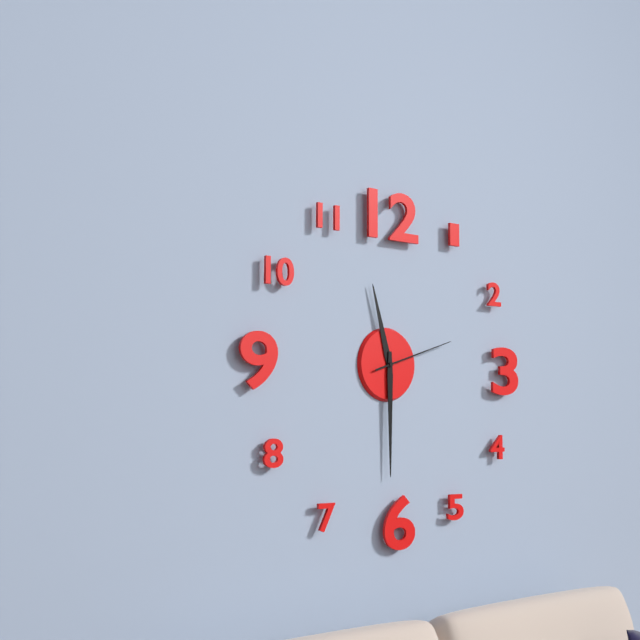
11:30:12
